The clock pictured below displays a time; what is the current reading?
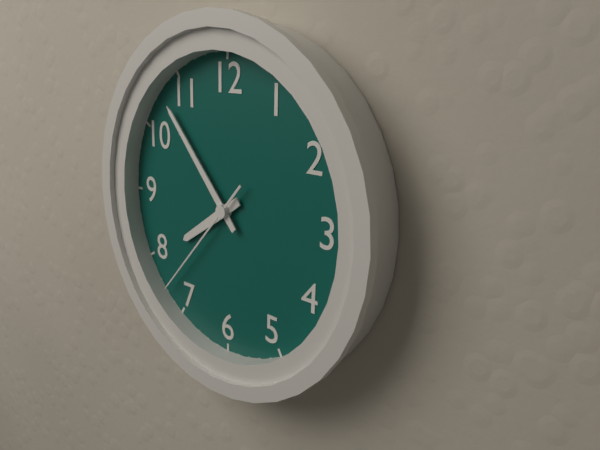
7:53:37
